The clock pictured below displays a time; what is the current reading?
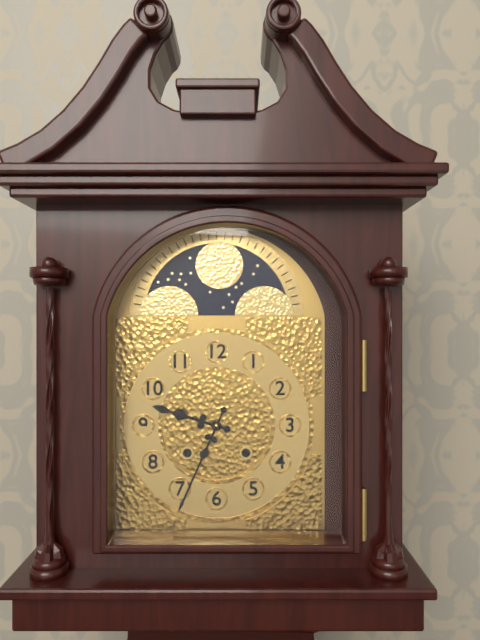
9:34
